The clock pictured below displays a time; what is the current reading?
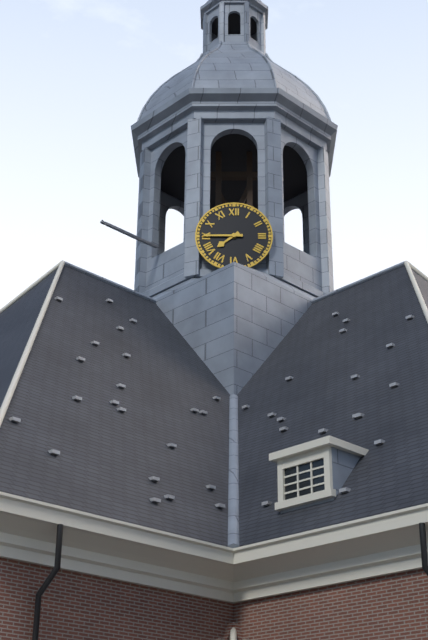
7:45
